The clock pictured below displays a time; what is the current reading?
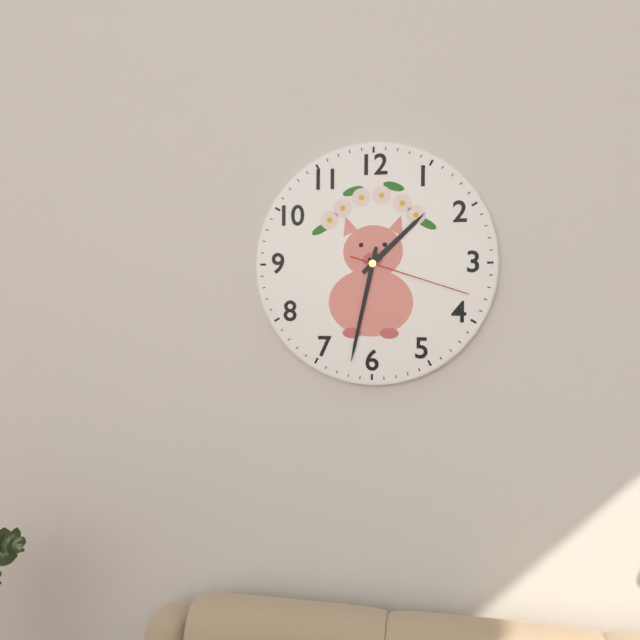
1:32:18
